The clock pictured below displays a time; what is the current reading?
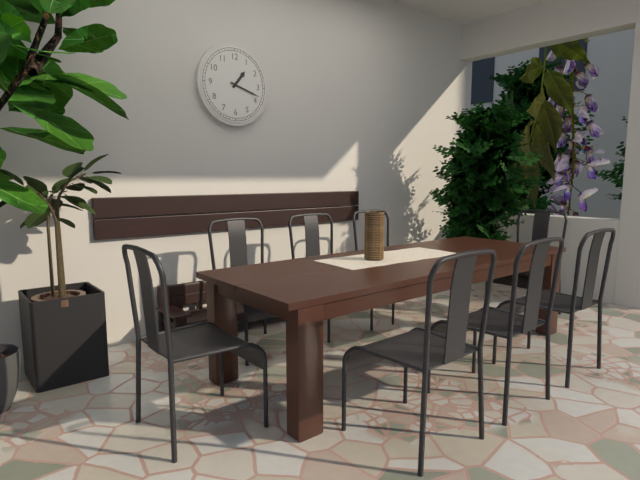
1:18
